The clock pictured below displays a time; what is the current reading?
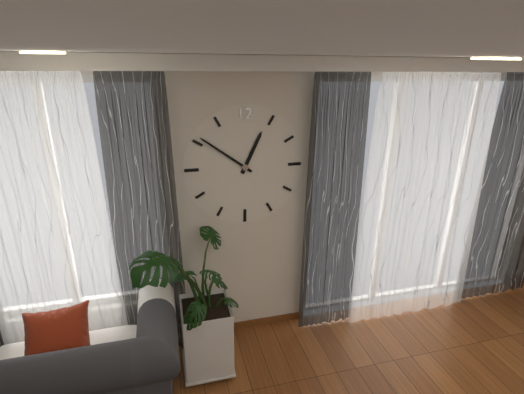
12:51
